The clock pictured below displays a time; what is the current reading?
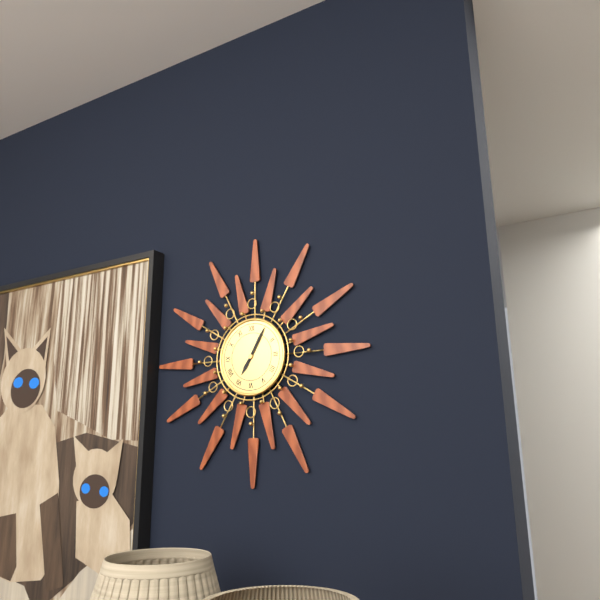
7:05
